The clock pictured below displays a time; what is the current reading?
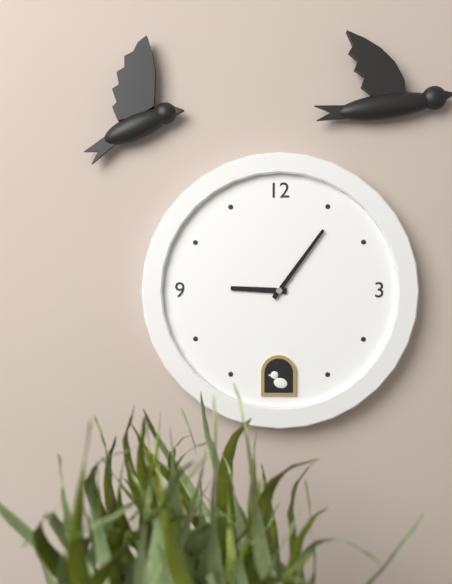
9:06
